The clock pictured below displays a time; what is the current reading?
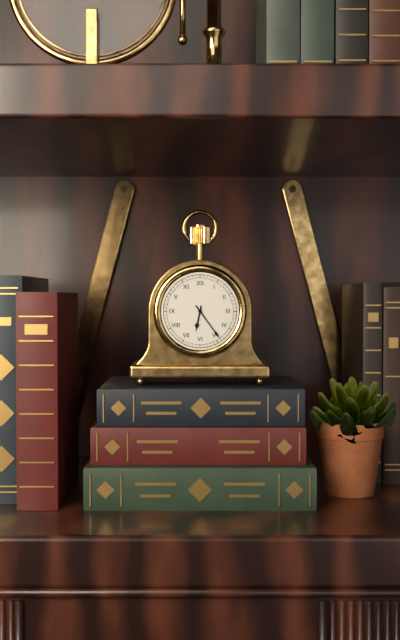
6:24
